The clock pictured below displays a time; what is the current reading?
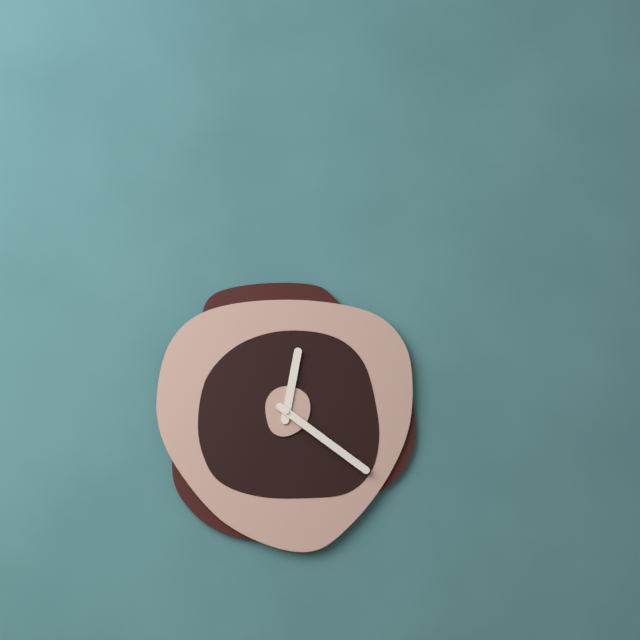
12:21
